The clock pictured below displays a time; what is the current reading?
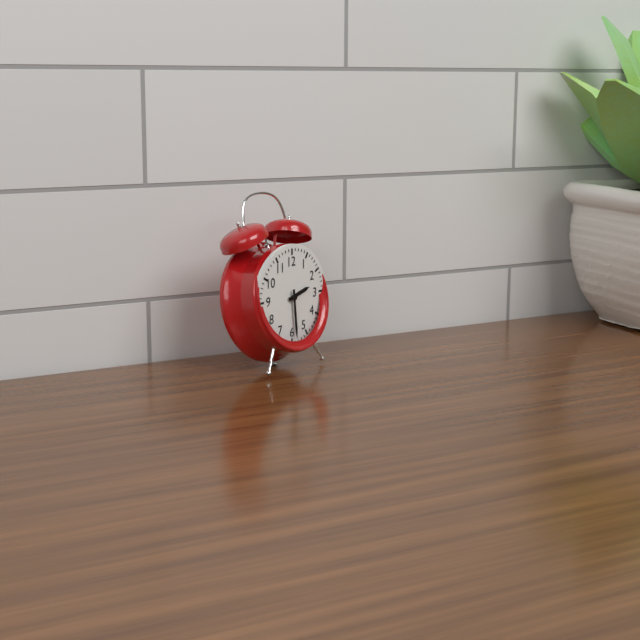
2:29
